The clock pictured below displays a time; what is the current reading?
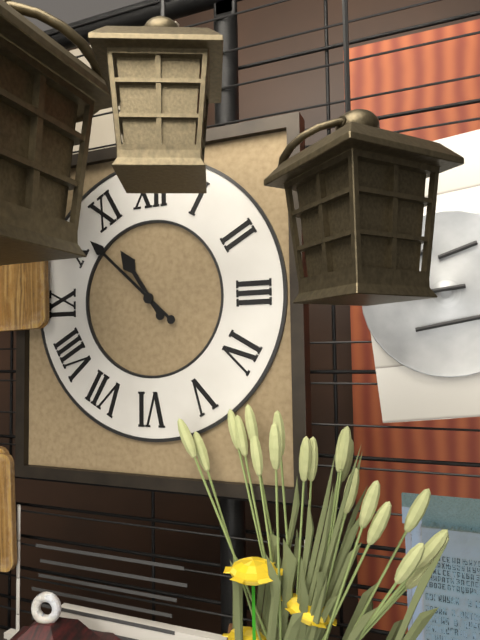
10:52
